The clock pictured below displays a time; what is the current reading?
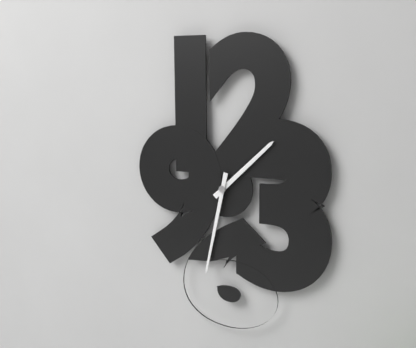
1:32
